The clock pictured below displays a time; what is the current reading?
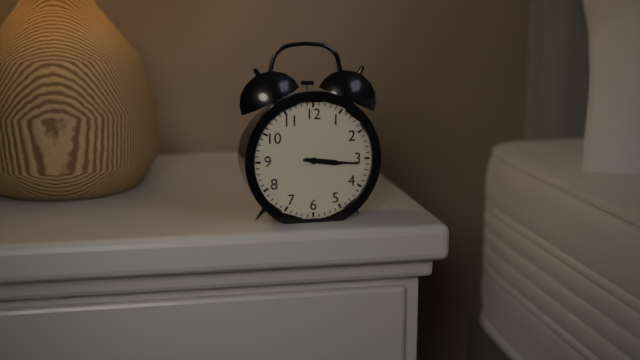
3:16
